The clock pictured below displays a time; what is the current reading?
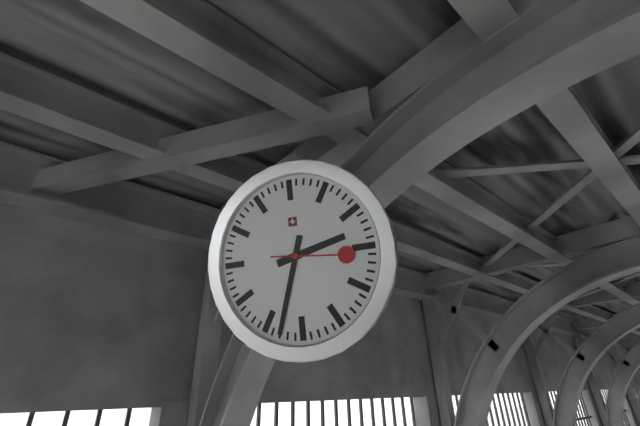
2:33:16
